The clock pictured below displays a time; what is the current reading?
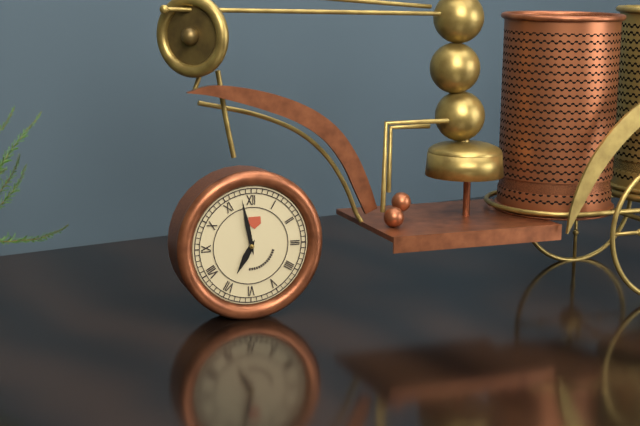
6:58
